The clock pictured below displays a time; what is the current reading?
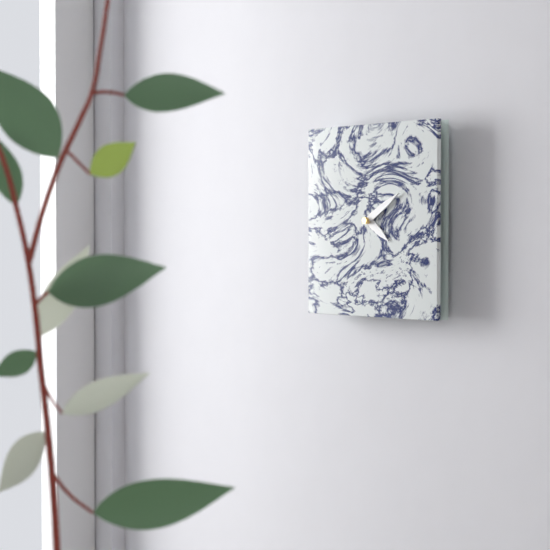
4:10
